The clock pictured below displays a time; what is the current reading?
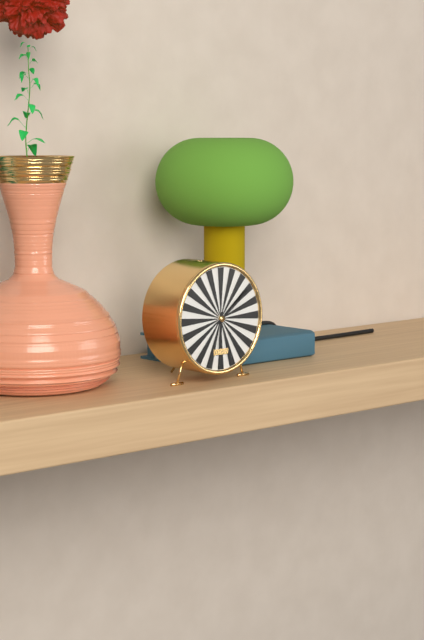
6:09
